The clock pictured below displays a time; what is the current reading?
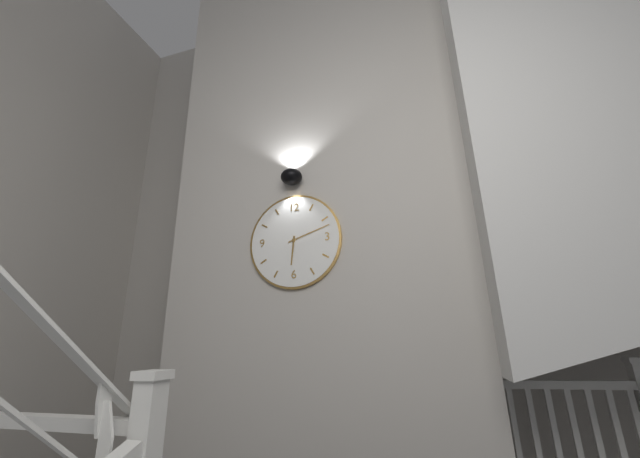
6:12
